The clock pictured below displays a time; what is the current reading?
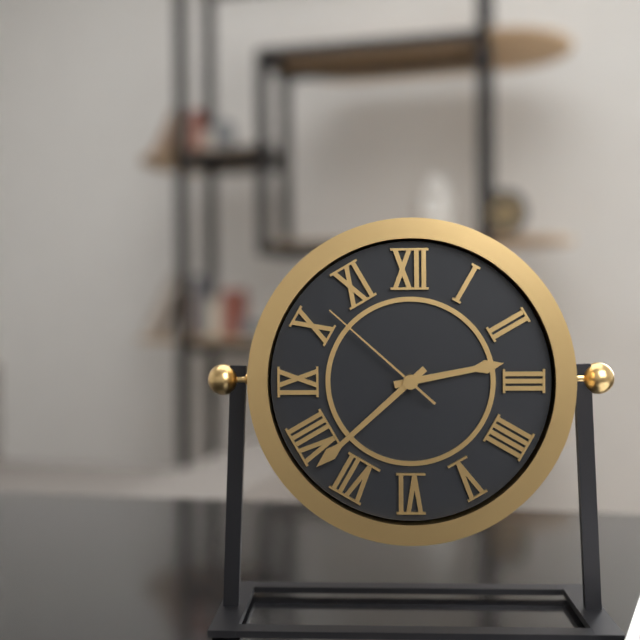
2:38:52
